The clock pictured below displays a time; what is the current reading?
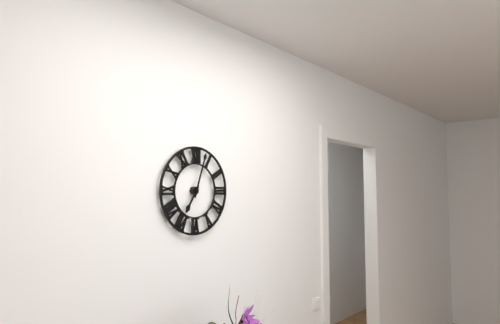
7:03
